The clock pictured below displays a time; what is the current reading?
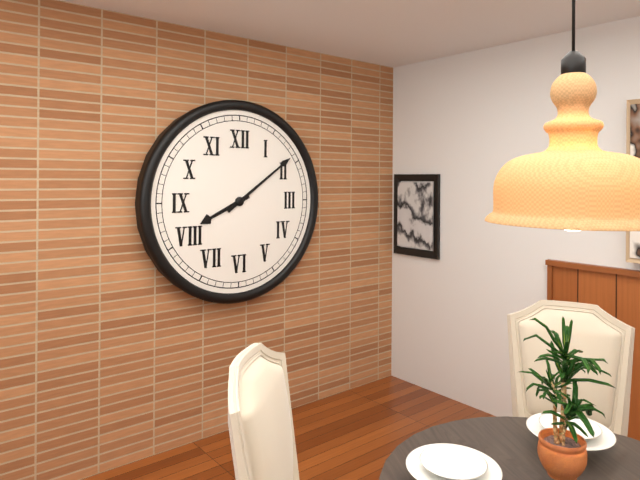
8:09
